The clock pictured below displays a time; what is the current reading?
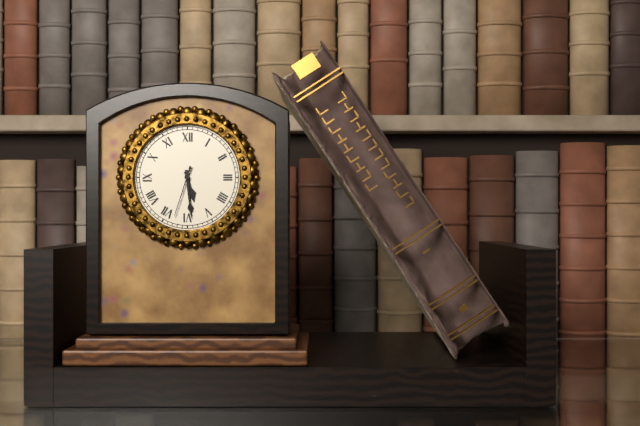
5:29:33
